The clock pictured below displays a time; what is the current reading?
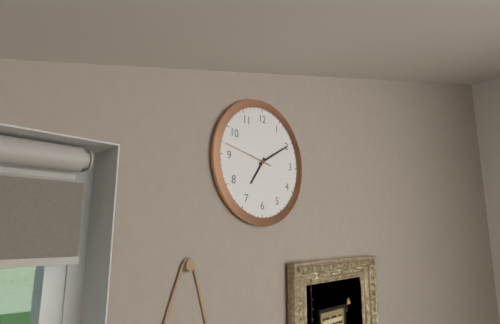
7:10
